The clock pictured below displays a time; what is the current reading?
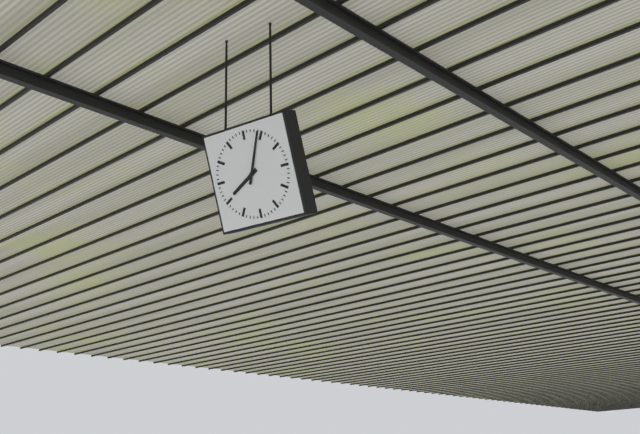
8:04
